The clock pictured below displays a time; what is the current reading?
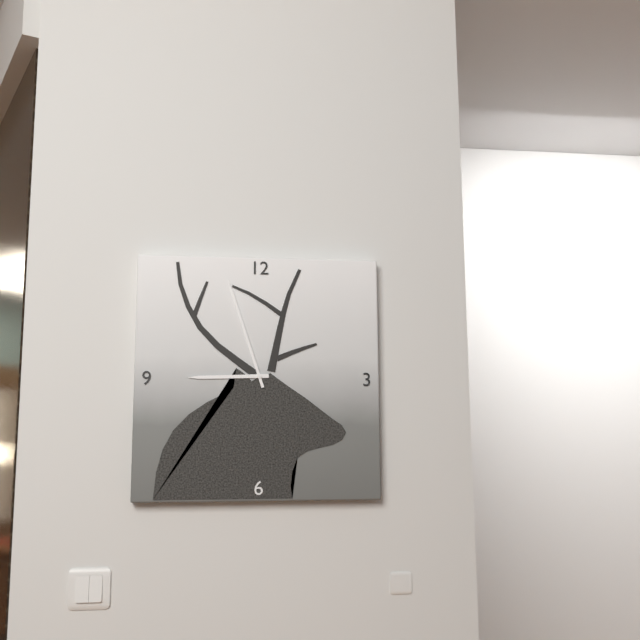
8:57
